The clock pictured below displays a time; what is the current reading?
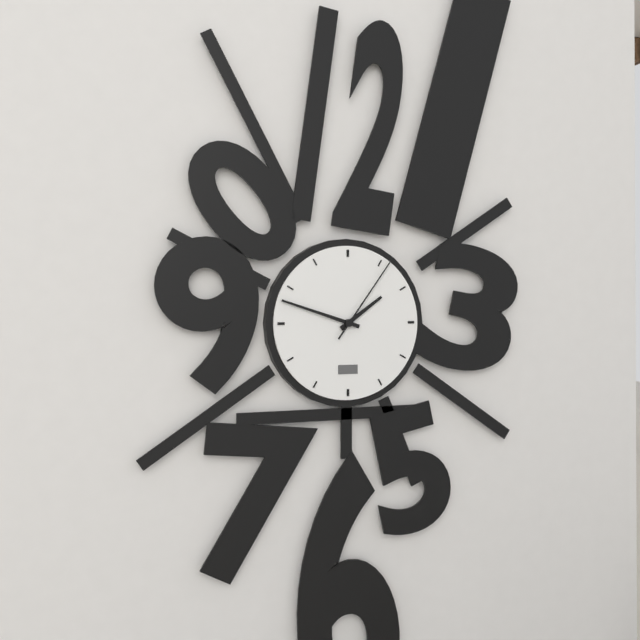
1:48:06
